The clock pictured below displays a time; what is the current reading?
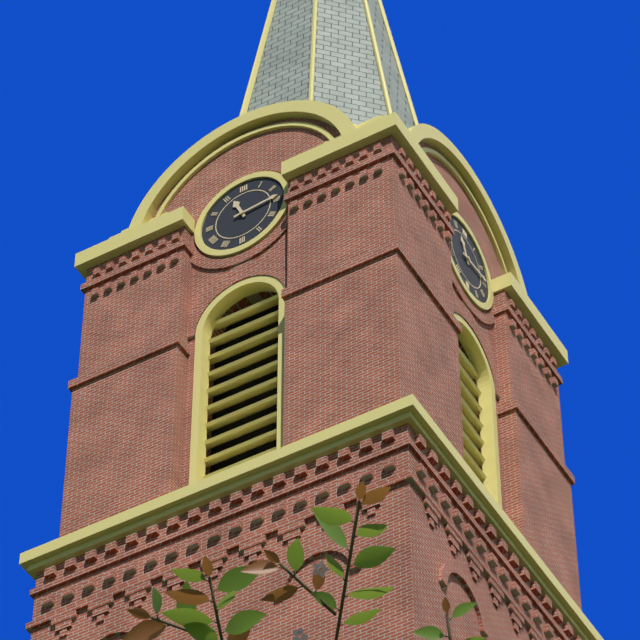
11:14
